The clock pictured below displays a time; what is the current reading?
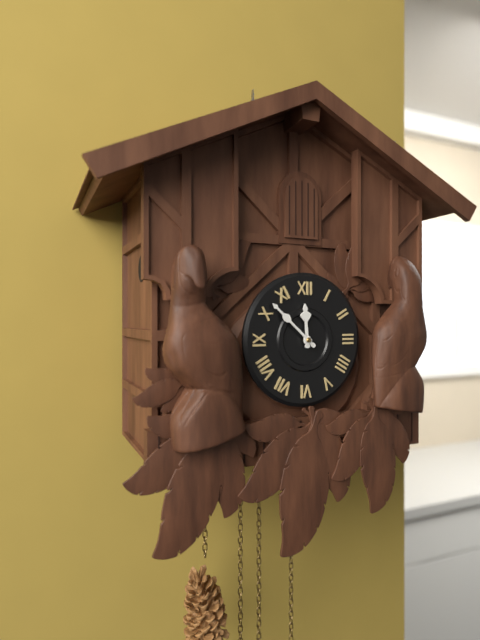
11:52
